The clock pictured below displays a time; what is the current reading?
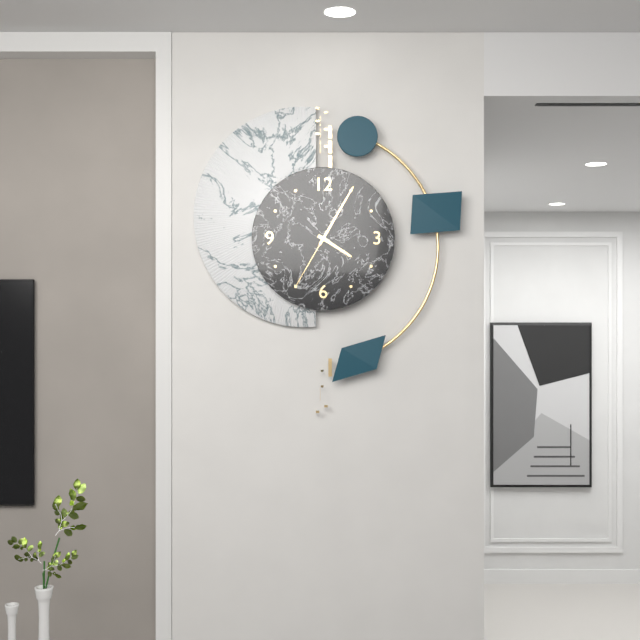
4:05:35
